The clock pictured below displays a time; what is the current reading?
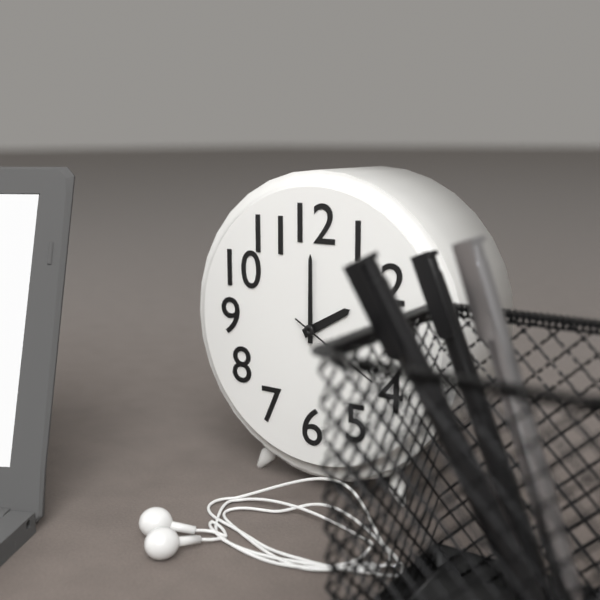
2:00
